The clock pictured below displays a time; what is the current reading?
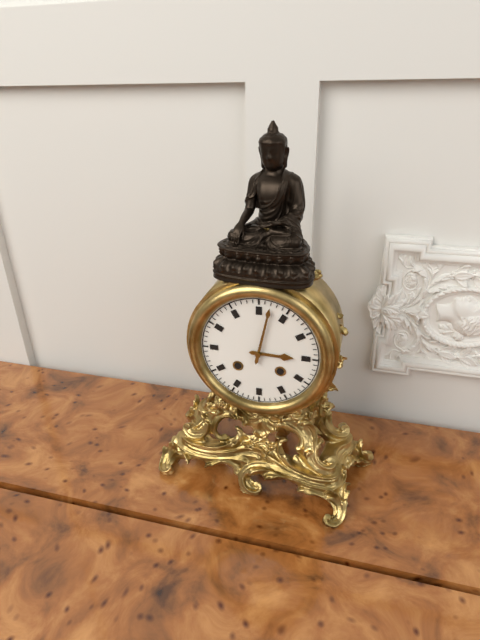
3:02
